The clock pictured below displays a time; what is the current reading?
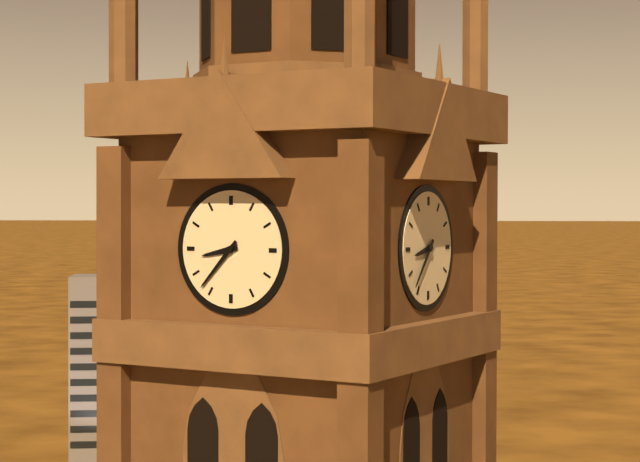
8:37
